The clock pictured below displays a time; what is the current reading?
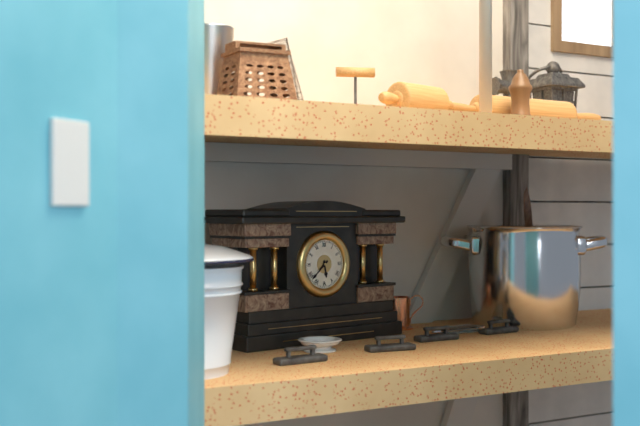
5:38
